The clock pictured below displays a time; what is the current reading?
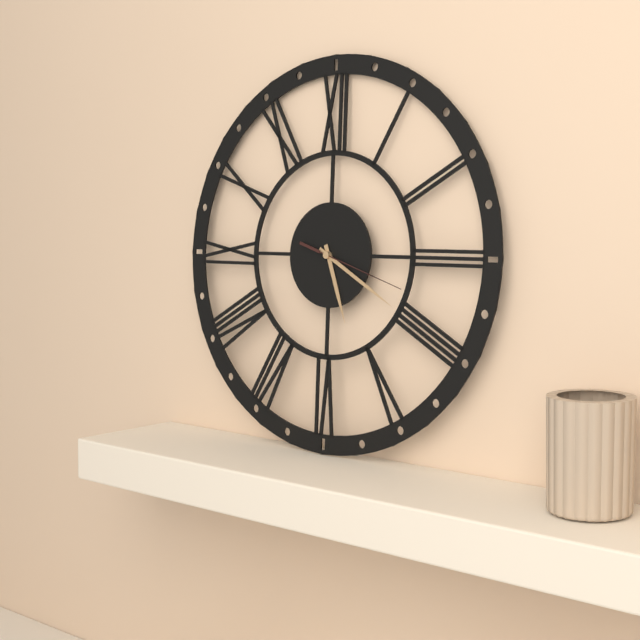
5:20:18
